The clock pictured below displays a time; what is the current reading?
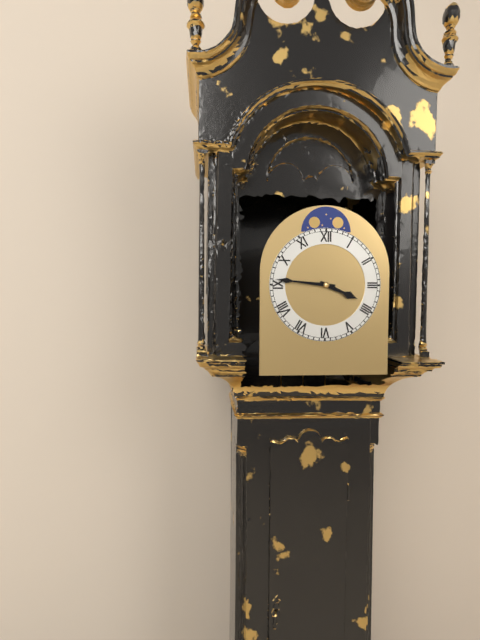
3:46
